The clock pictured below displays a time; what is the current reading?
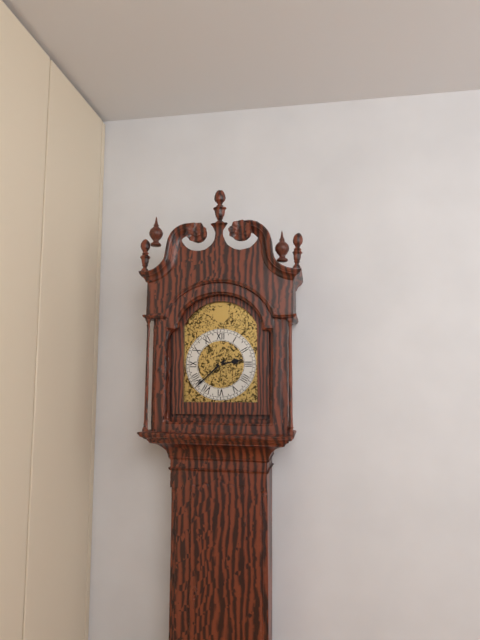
2:38
